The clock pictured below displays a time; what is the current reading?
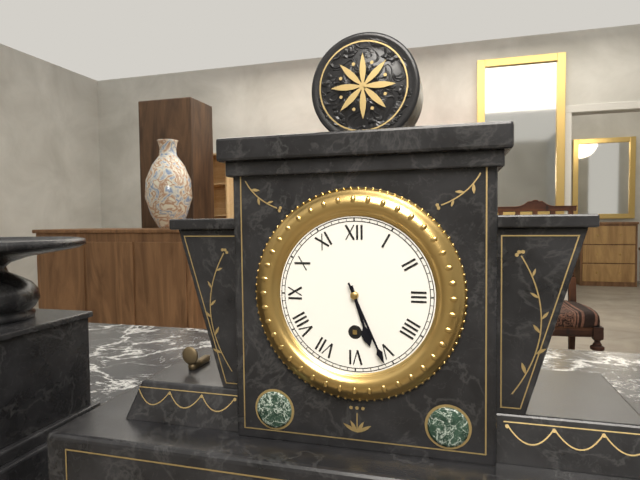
5:26
